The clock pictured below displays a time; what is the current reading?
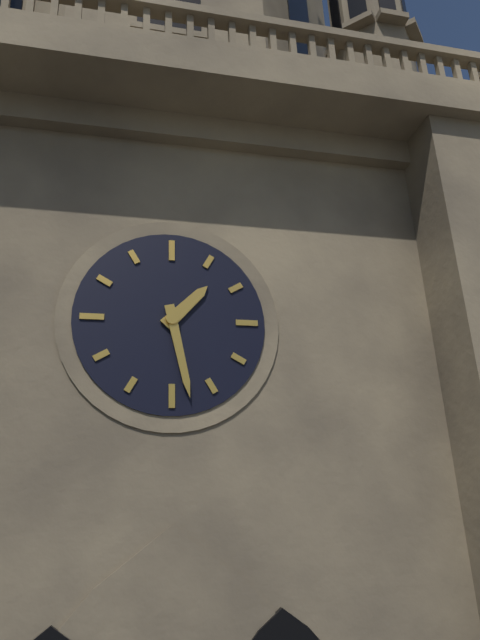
1:28
